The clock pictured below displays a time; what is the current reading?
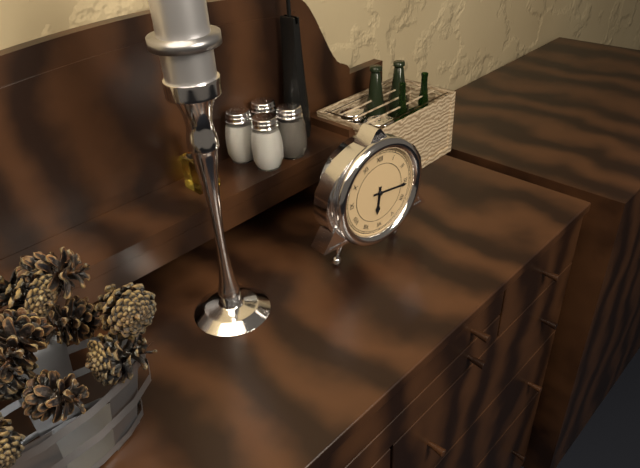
6:16
